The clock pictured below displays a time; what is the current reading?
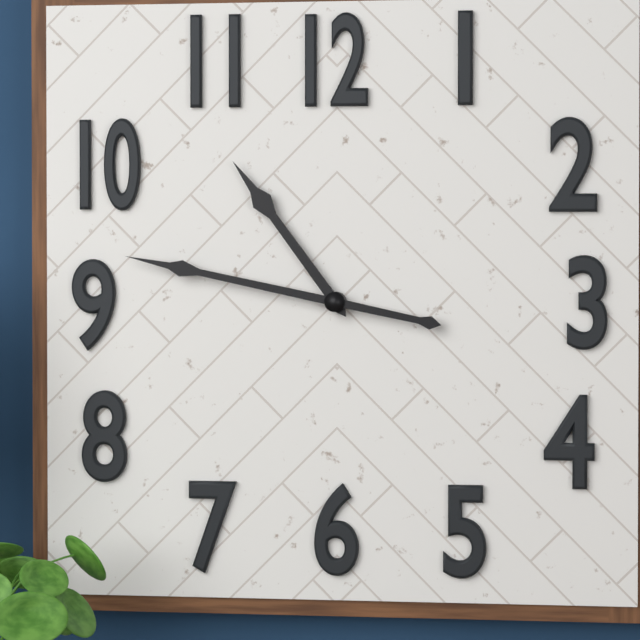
10:47
